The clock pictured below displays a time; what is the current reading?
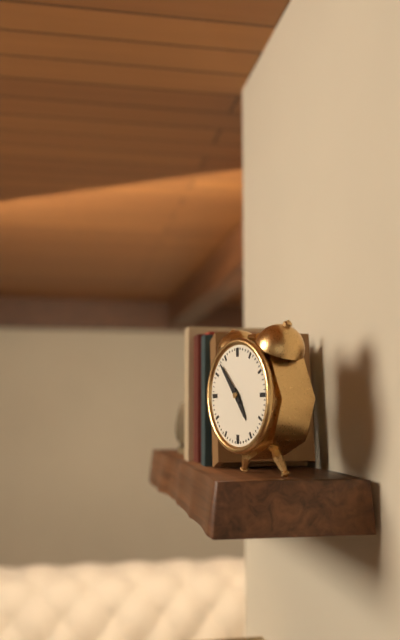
4:53
